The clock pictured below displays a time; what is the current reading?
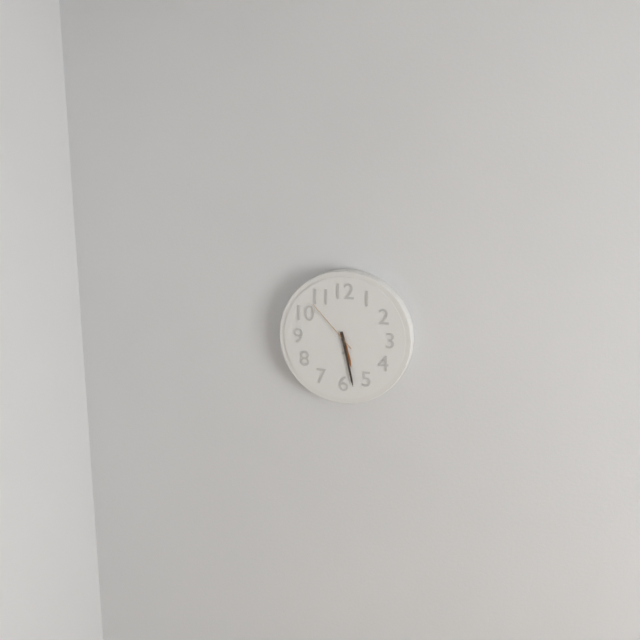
5:28:53
